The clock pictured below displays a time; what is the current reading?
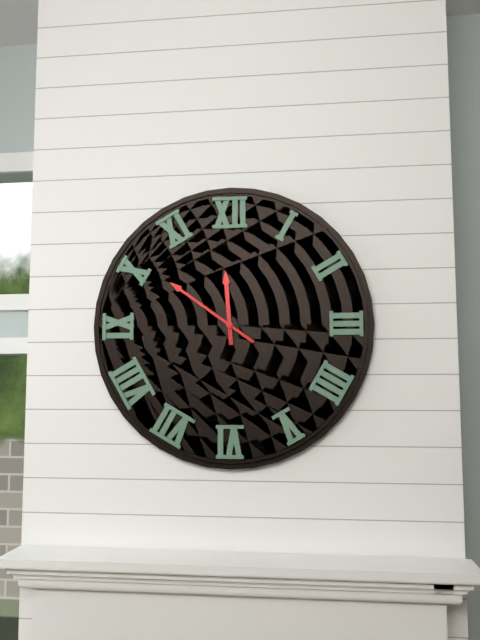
11:51
